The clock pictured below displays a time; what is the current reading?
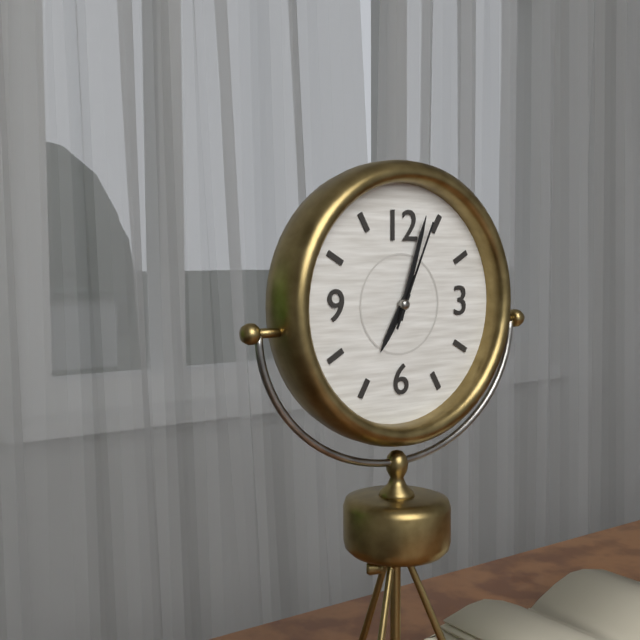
7:03:04
